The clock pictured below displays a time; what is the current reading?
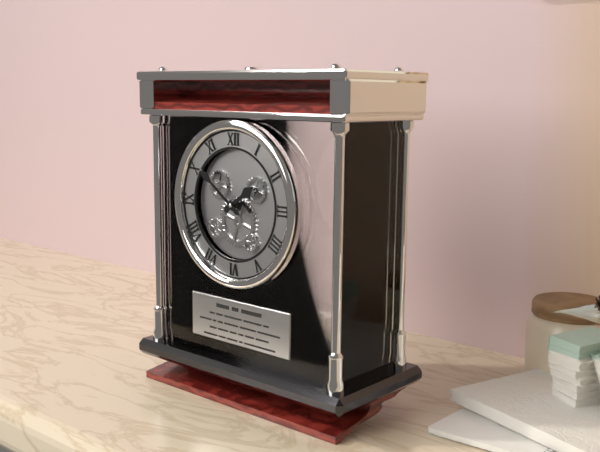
1:51
